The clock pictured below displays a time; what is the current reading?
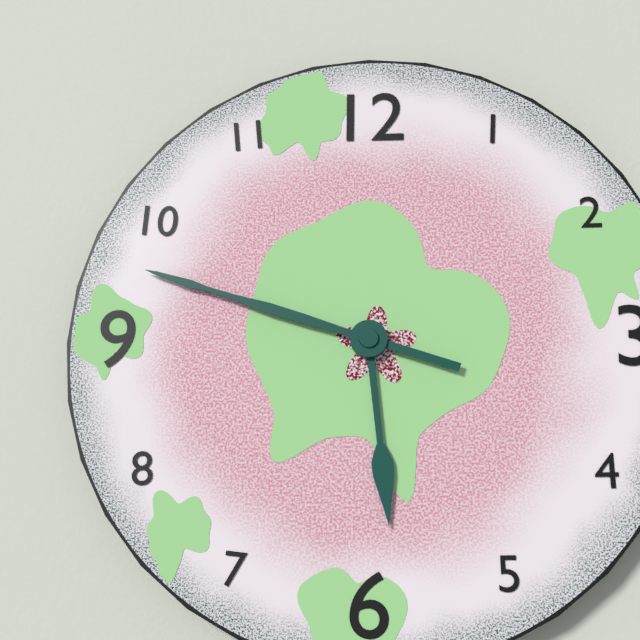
5:48
